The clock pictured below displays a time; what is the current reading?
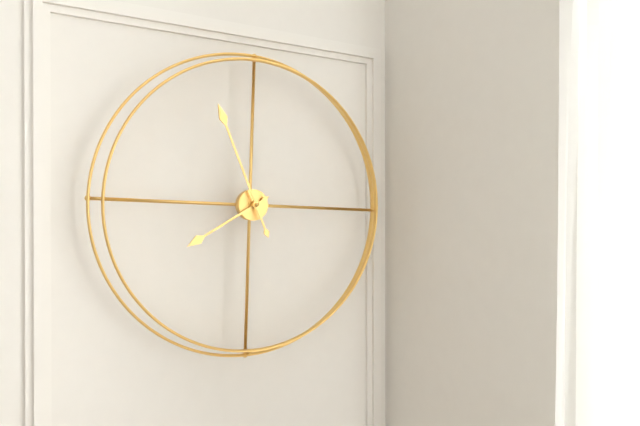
7:56
